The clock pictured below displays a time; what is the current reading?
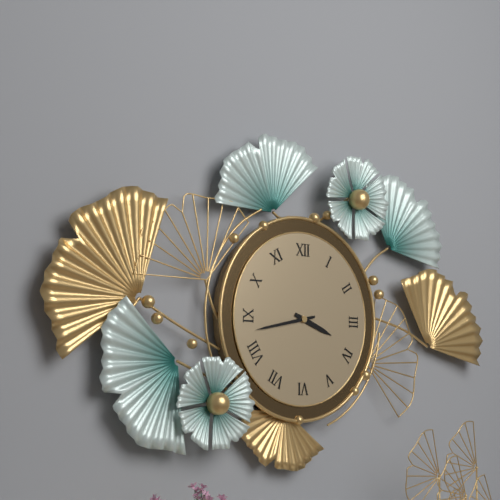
3:43
